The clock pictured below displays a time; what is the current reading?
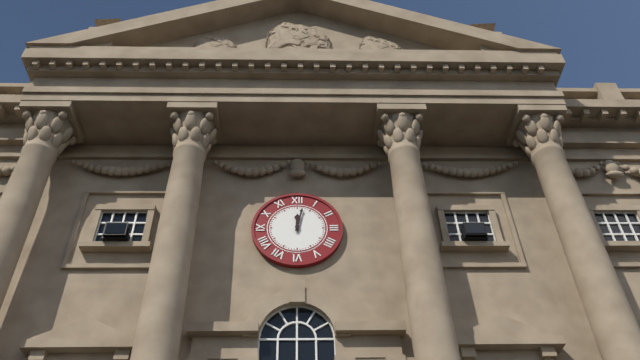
12:02
